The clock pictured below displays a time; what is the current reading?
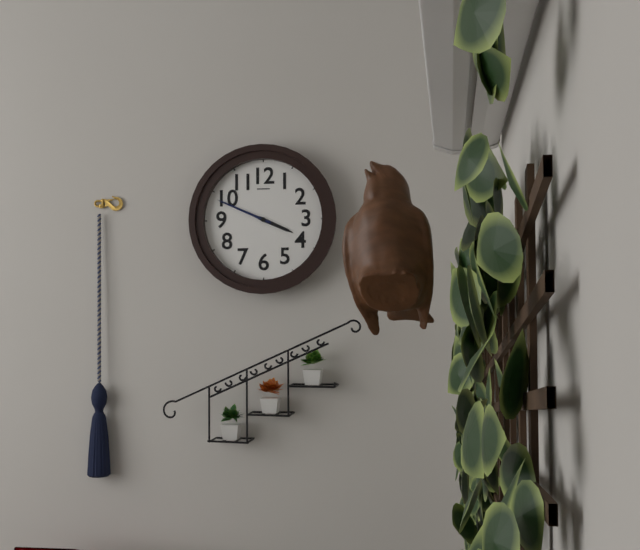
3:49
